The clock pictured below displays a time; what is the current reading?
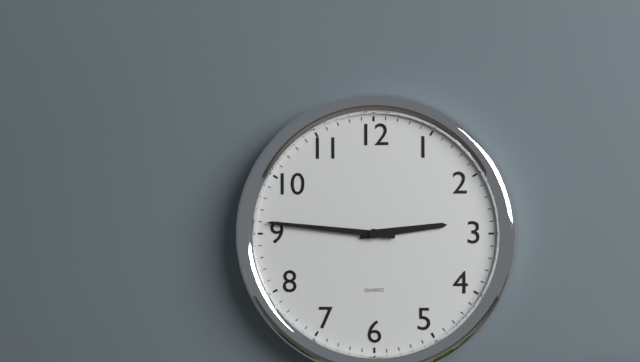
2:46
